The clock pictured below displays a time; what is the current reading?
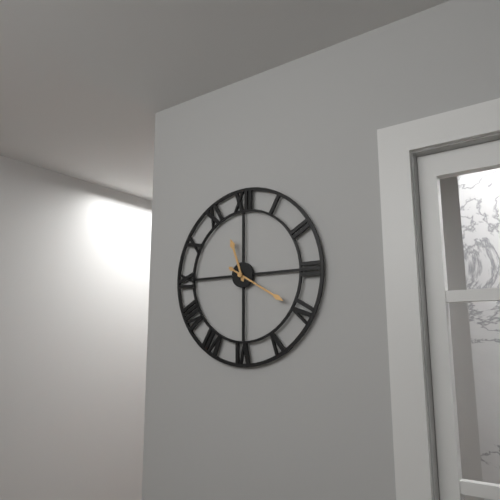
11:20
